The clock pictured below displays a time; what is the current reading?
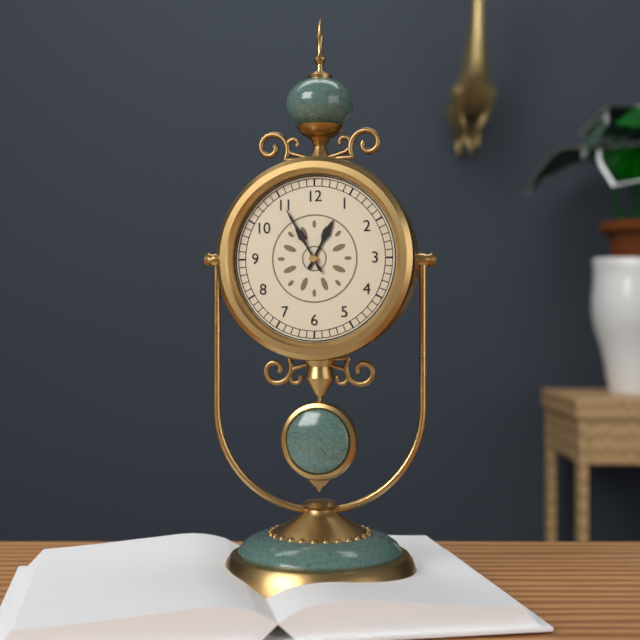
12:55
